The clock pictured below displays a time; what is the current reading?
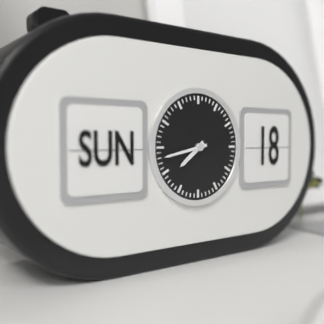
7:43
